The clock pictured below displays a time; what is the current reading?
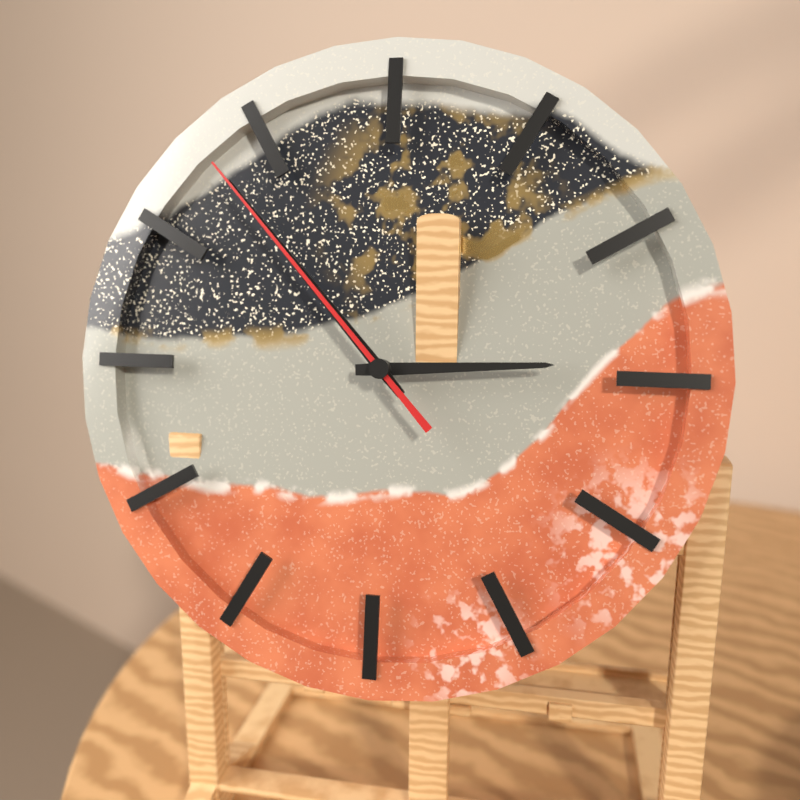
2:53:53
